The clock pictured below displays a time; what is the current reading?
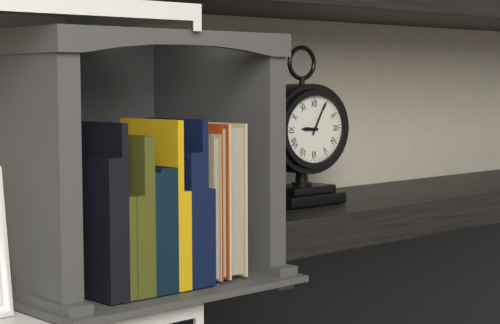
9:05
